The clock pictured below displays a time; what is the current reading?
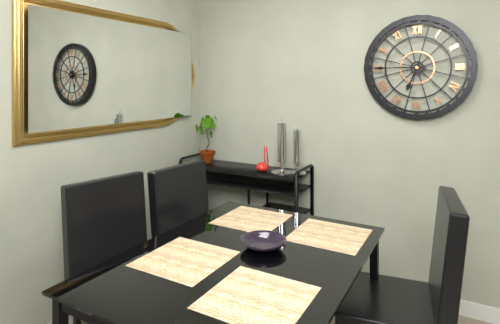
6:45
